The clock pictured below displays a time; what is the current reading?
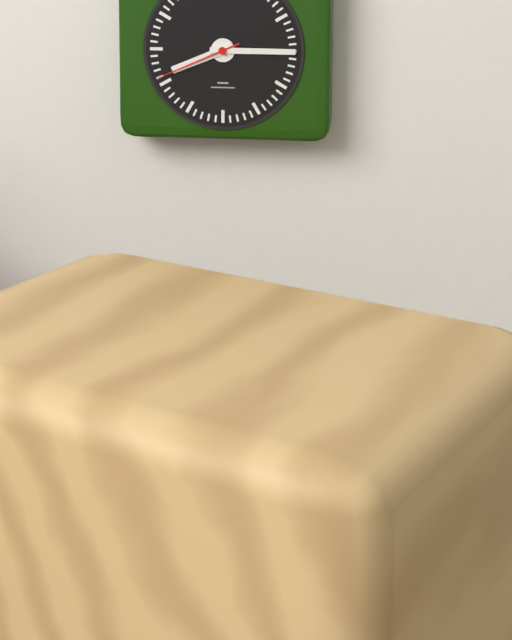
8:15:41
